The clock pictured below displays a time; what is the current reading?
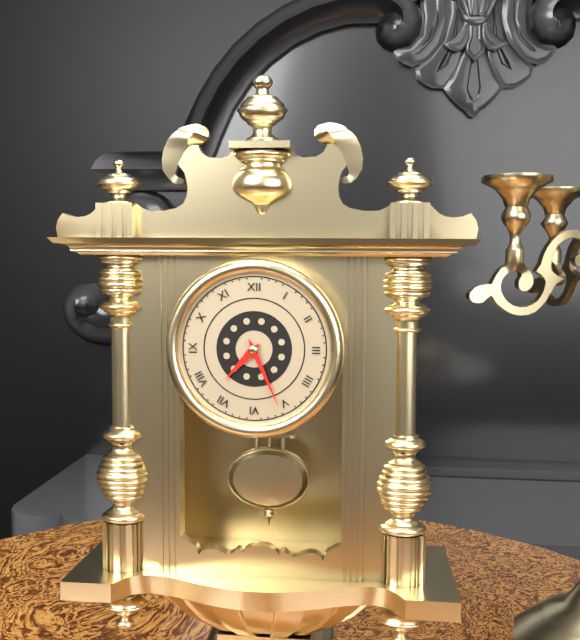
7:26
